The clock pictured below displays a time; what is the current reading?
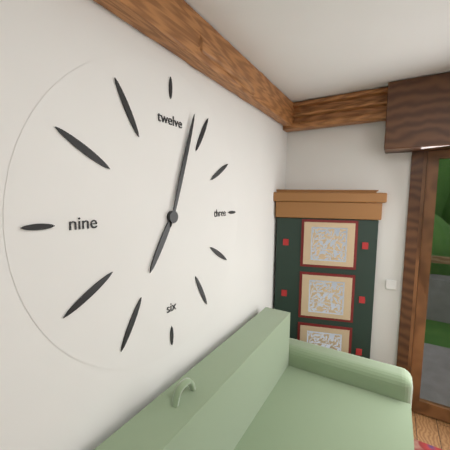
7:03
